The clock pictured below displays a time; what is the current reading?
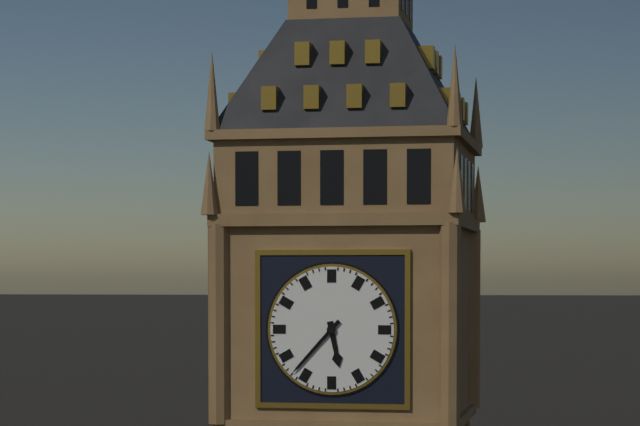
5:37
